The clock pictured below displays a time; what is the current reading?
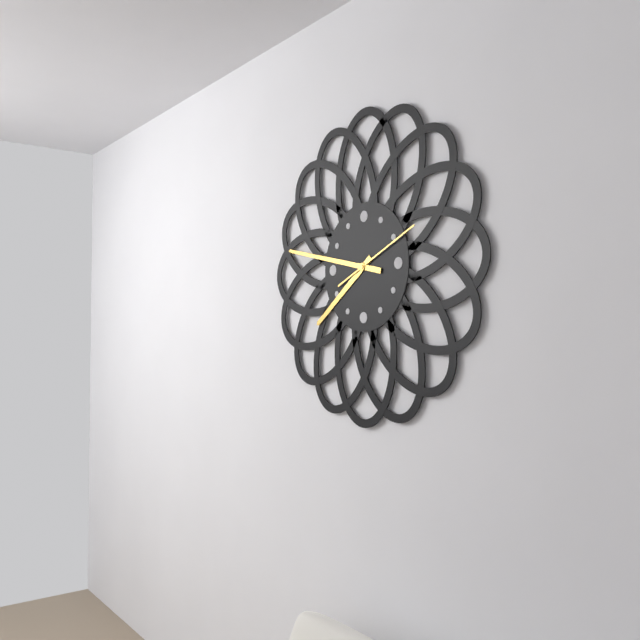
7:47:11
